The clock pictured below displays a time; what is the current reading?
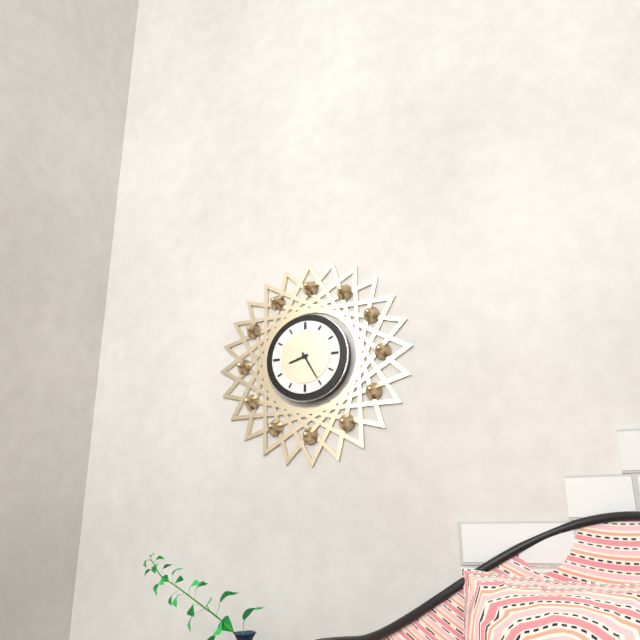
8:25
